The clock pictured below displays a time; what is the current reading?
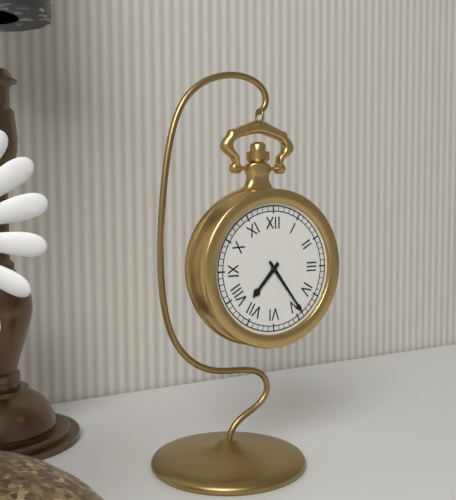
7:24
